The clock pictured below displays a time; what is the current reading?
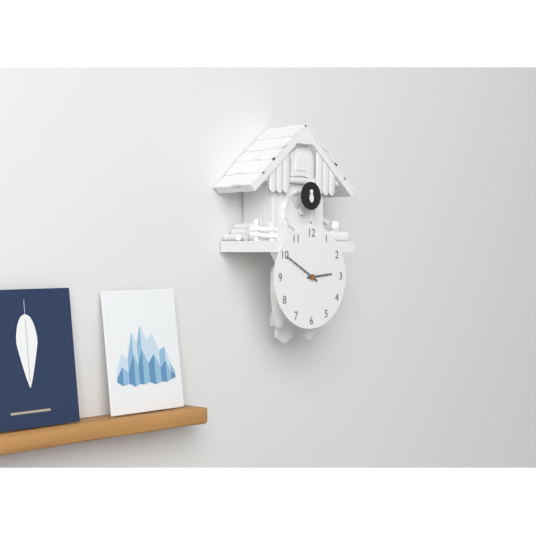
2:50
